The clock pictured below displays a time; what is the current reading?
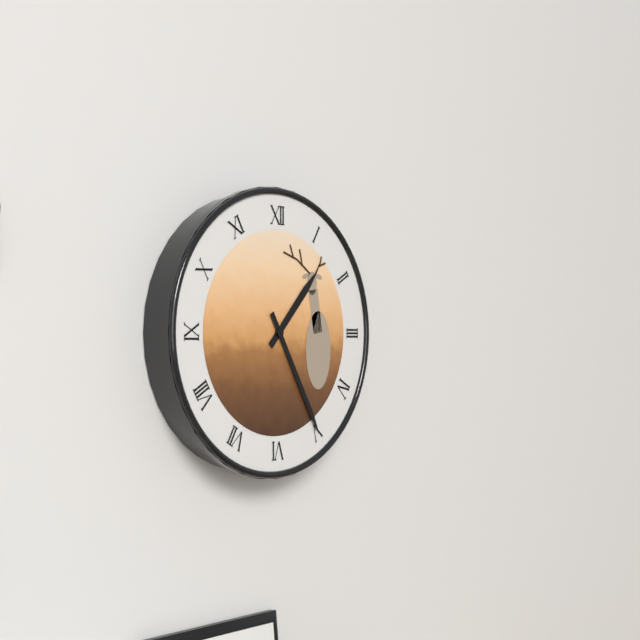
1:25
